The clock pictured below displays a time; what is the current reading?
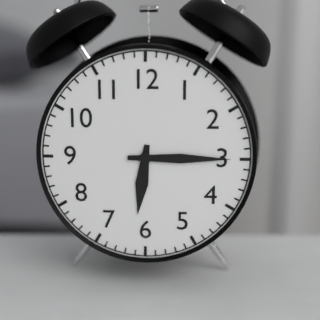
6:15
